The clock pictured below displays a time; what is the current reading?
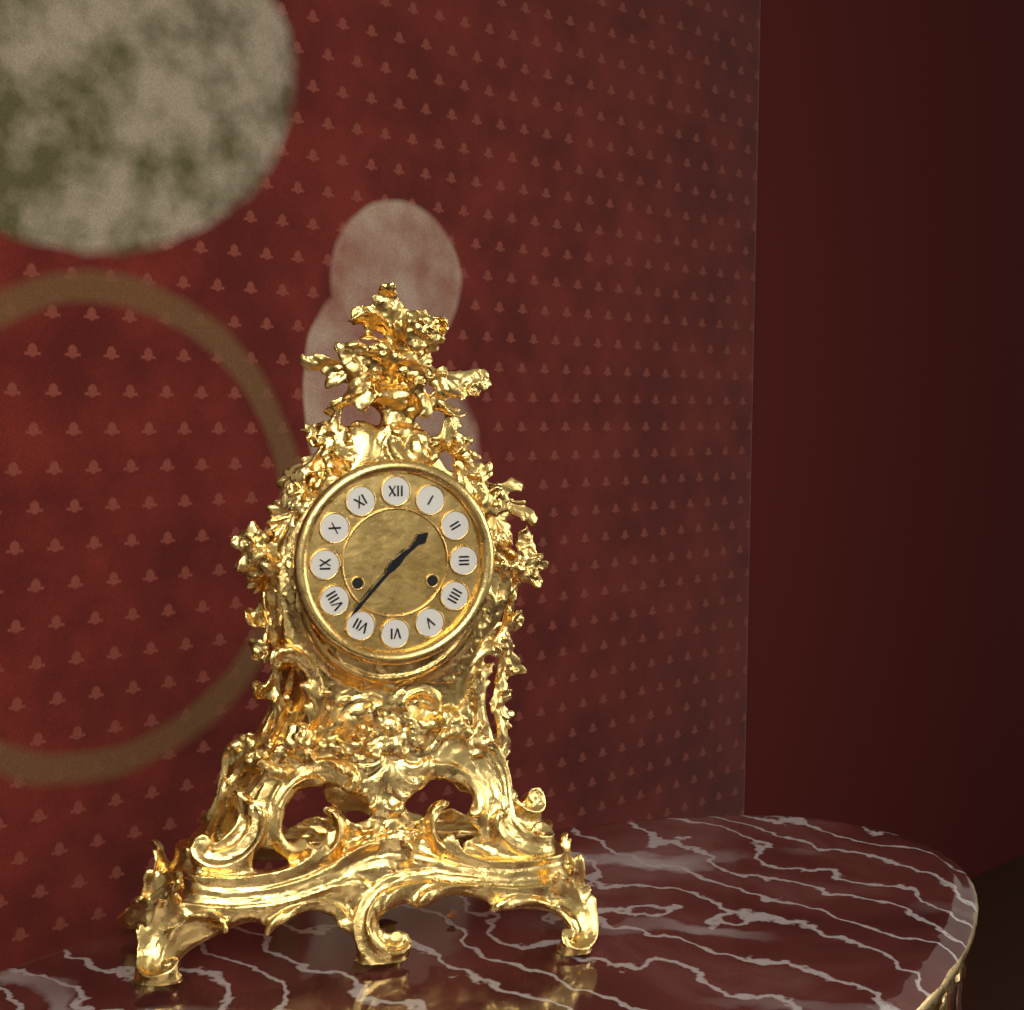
1:37
